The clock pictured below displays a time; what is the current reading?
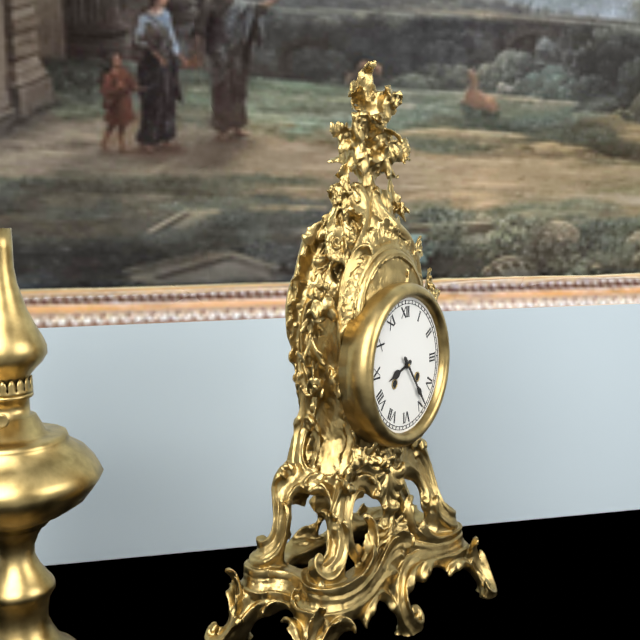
8:24
